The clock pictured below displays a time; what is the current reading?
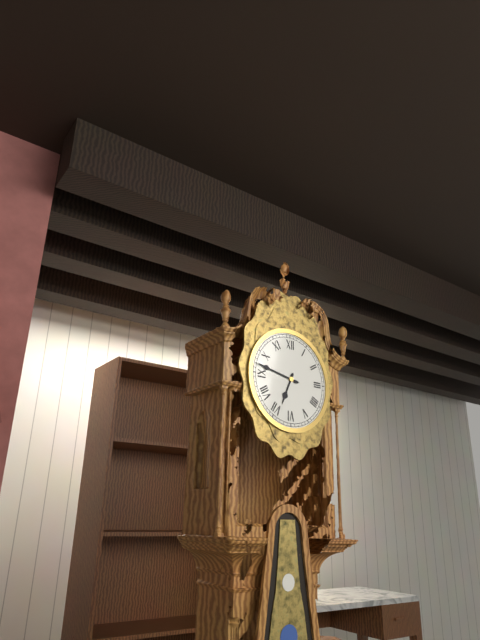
6:47
